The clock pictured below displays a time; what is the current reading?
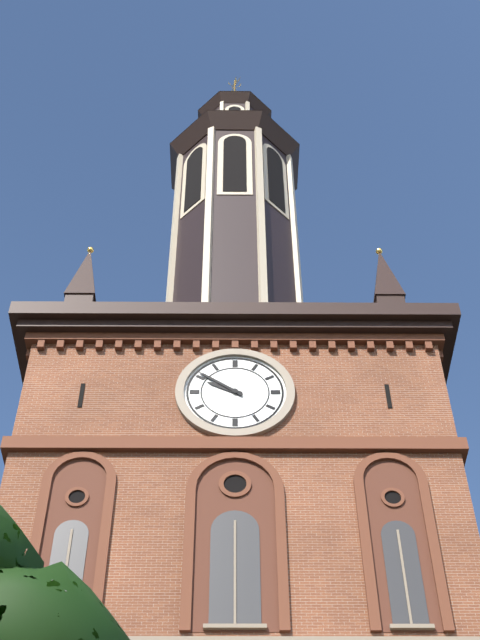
9:51
